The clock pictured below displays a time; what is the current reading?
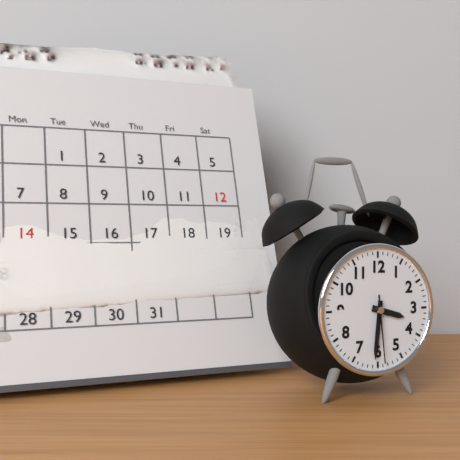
3:31:29
